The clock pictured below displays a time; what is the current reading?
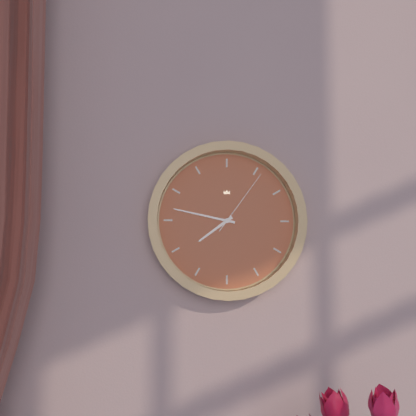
7:47:06
